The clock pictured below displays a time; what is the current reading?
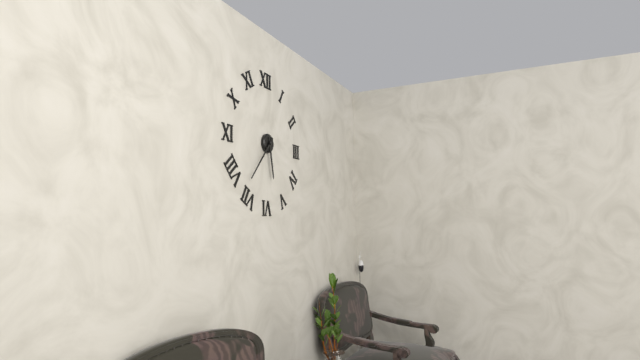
5:37
